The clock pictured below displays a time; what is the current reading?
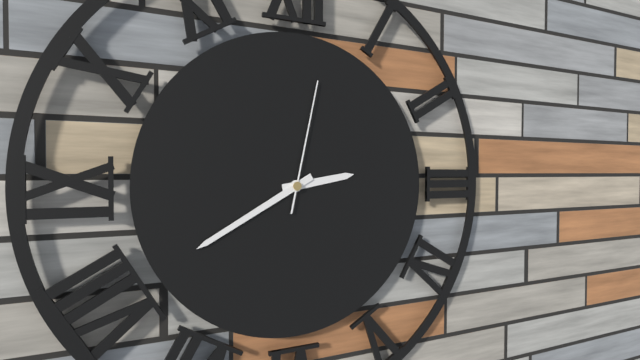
2:40:02
